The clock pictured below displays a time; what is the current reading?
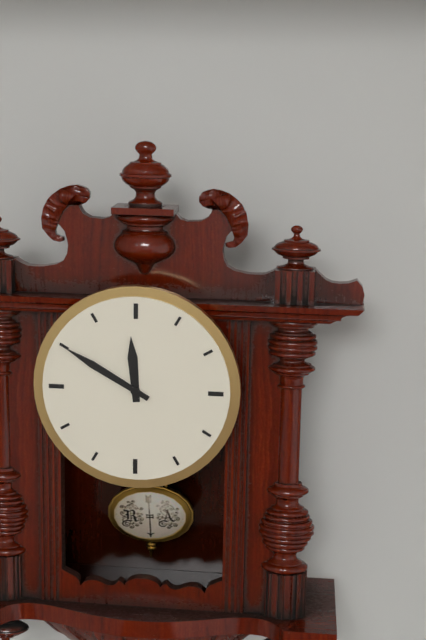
11:50
